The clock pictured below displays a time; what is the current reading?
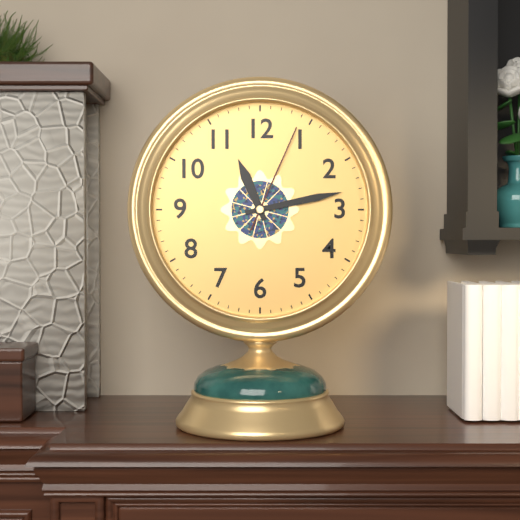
11:13:04
